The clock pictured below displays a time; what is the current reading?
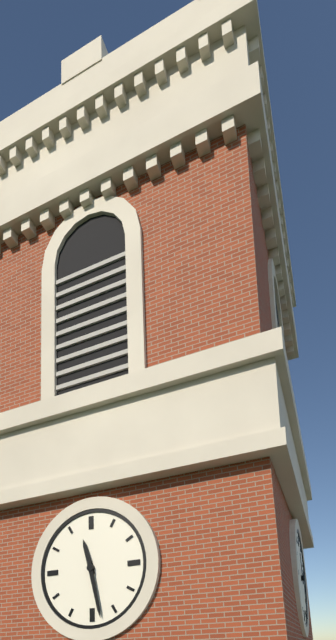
11:28
